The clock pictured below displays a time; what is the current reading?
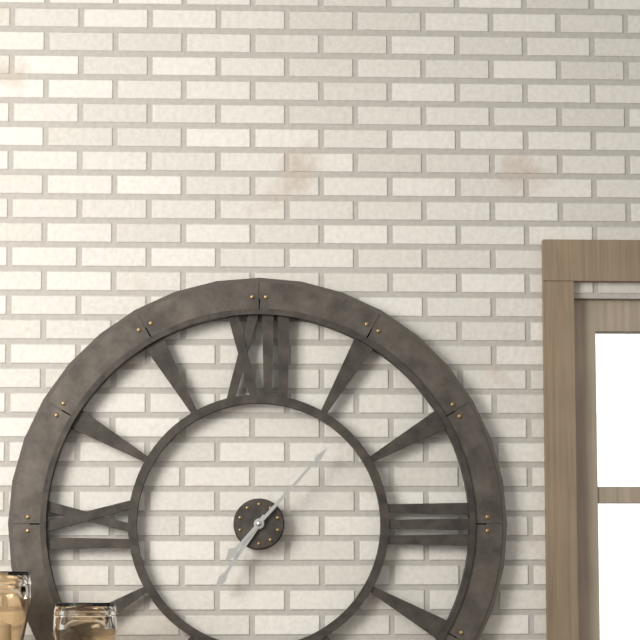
7:07
